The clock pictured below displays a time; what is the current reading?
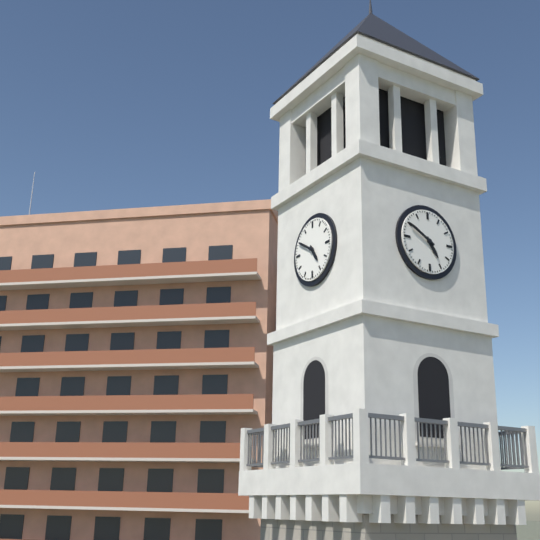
4:50
